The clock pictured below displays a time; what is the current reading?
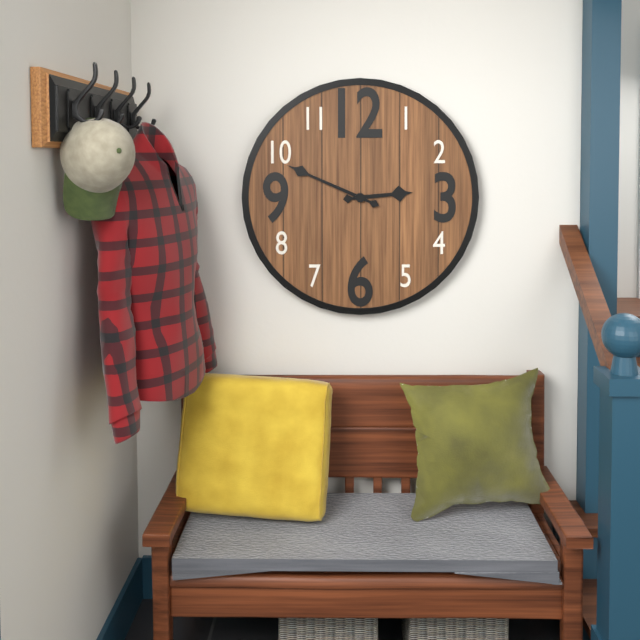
2:49
